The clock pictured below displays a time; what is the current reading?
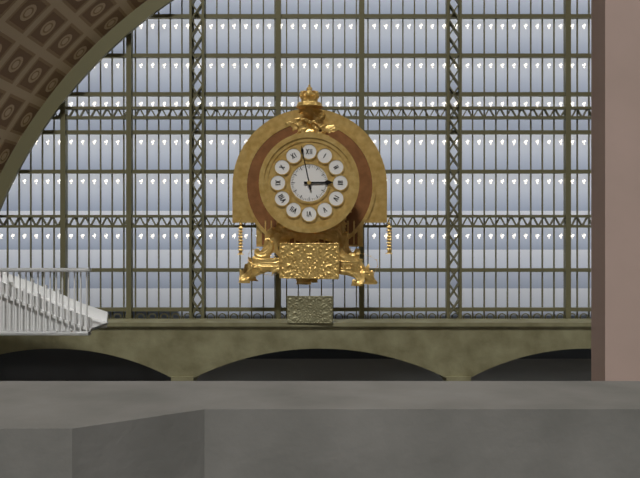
2:58
